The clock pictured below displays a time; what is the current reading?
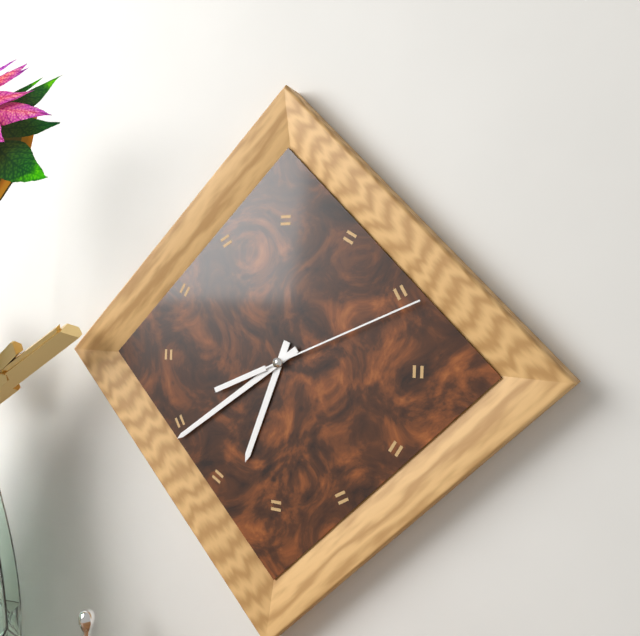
6:39:11
